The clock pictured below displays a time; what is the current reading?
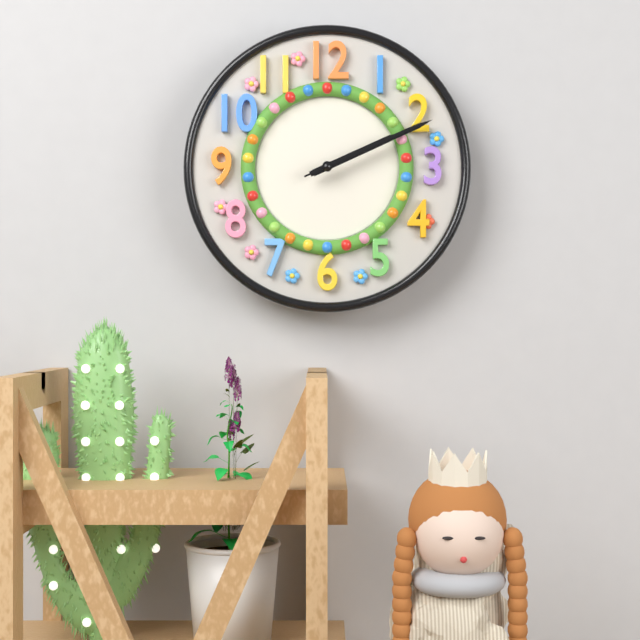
2:11:11
